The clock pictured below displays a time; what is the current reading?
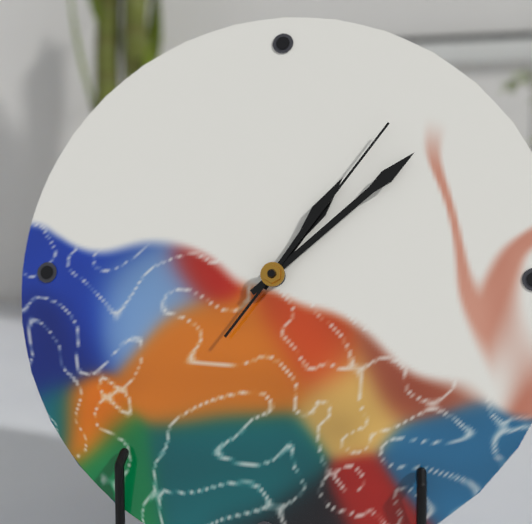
1:08:06
